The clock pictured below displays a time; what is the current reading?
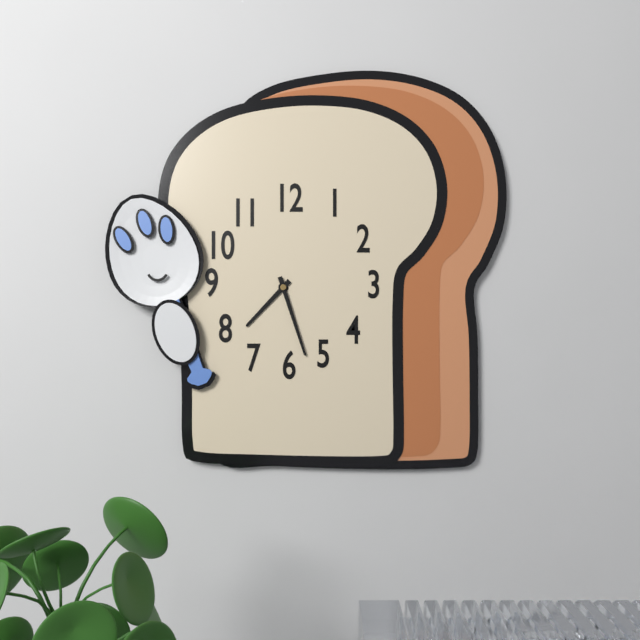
7:27
